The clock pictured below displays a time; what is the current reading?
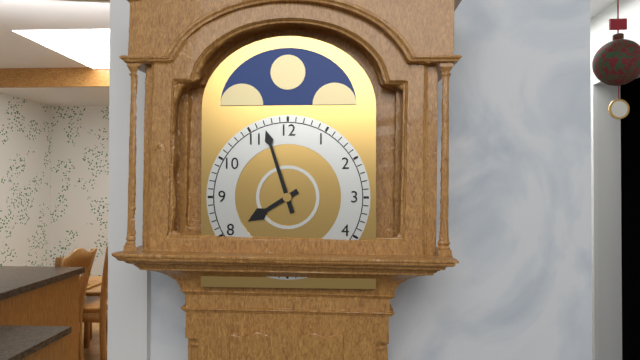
7:57
